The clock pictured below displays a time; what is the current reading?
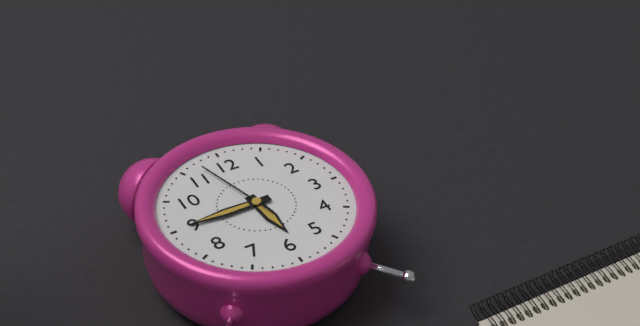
5:45:57
